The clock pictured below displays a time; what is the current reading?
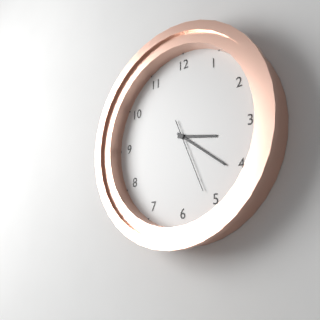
3:21:26
